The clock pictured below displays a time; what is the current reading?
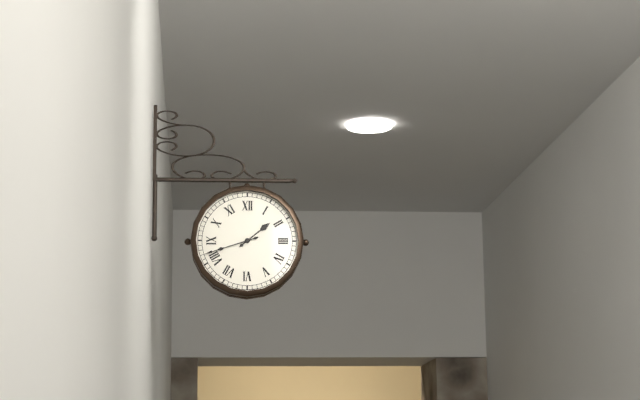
1:42
